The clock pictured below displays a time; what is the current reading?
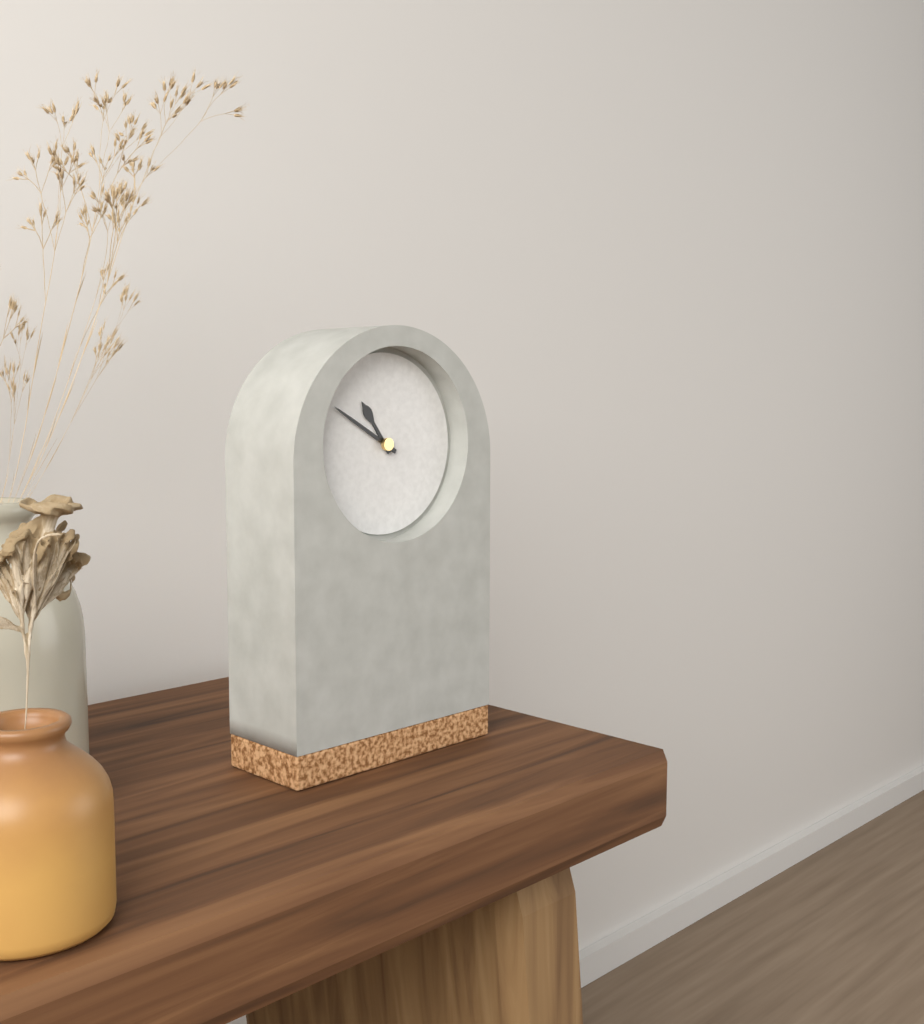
10:50
